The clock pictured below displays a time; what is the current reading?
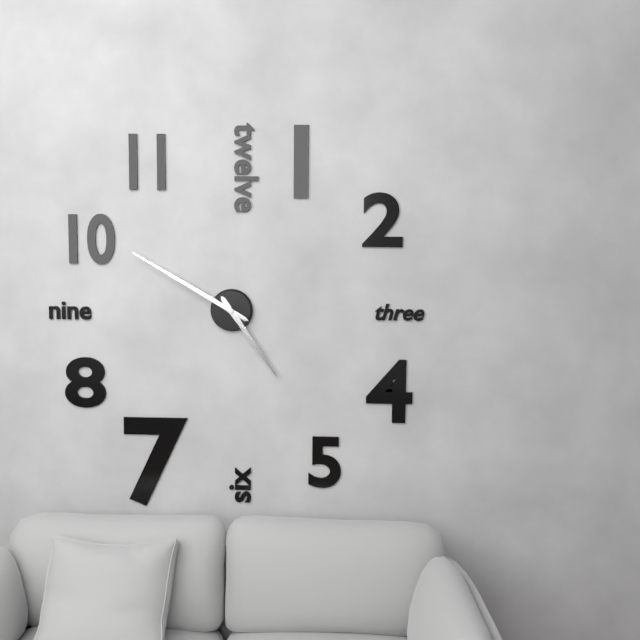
4:50
